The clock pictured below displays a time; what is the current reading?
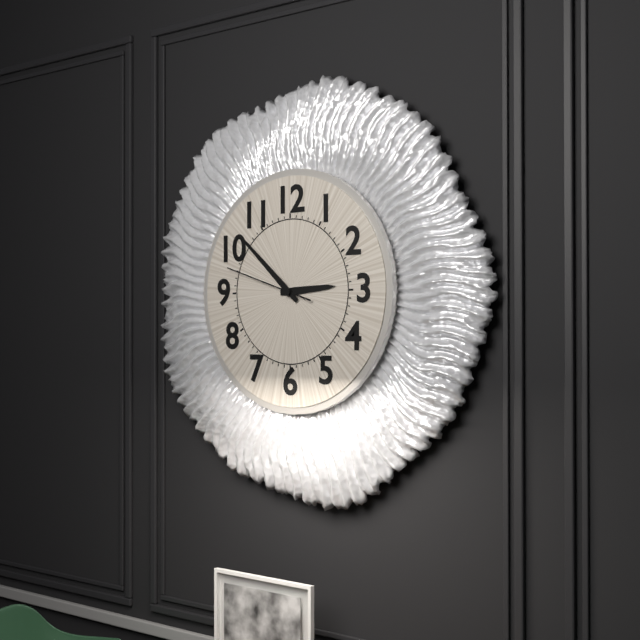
2:52:48
